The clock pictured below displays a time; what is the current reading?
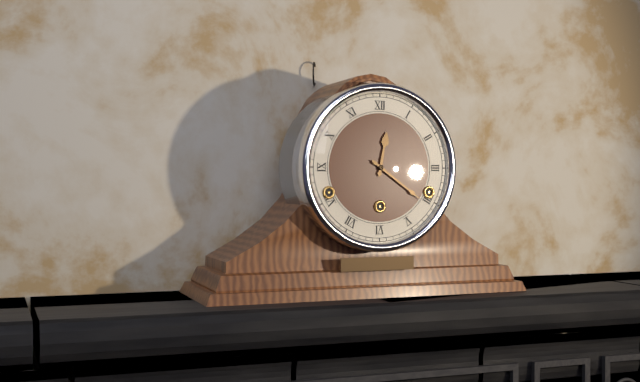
12:21
